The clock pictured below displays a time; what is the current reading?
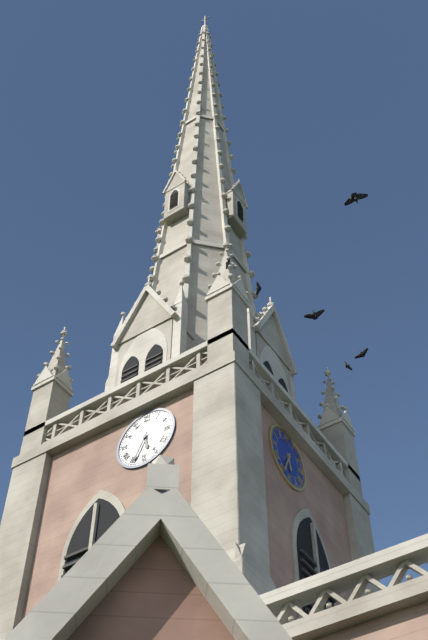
5:34
